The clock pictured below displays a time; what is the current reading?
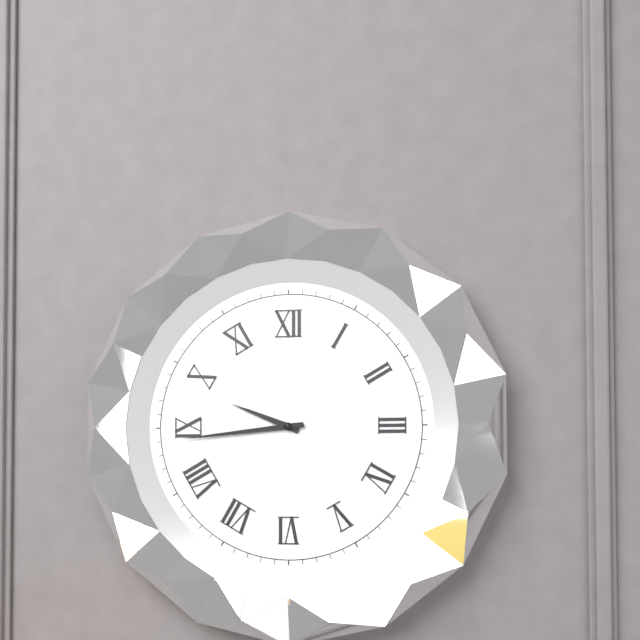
9:44
